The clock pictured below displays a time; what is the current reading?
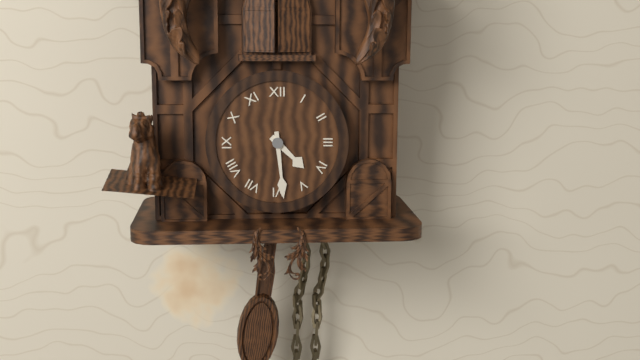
4:29
